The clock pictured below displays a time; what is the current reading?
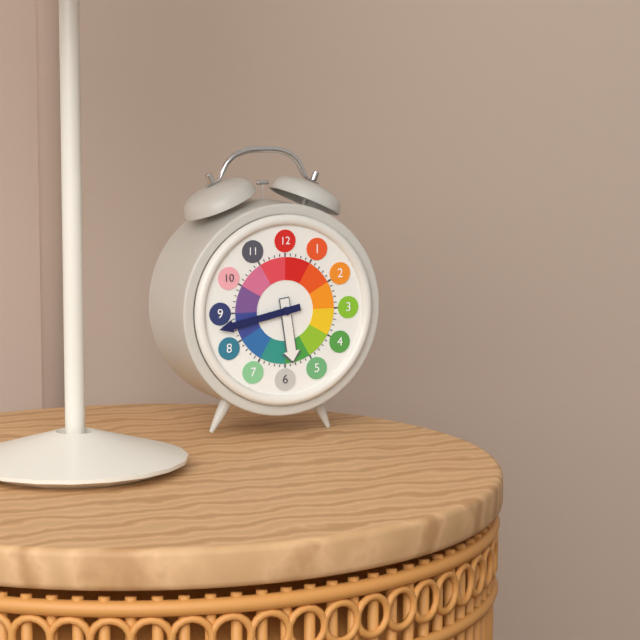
5:43
